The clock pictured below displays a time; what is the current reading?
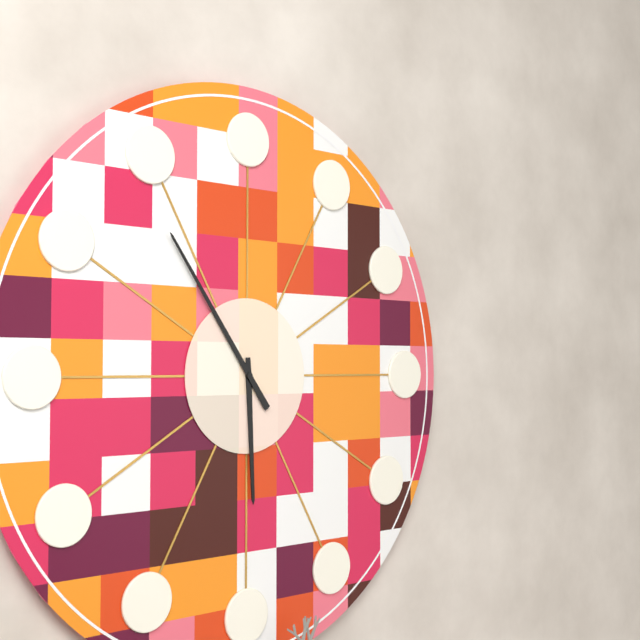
5:54
